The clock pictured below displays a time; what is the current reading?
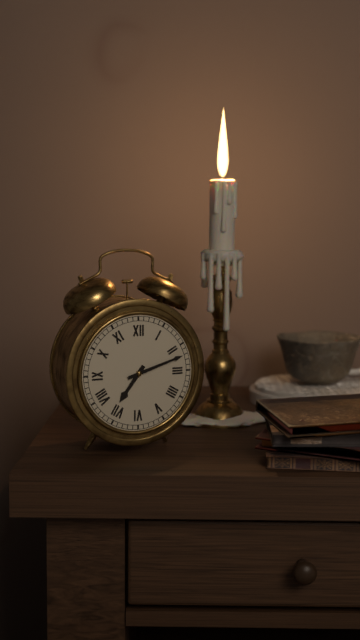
7:12
